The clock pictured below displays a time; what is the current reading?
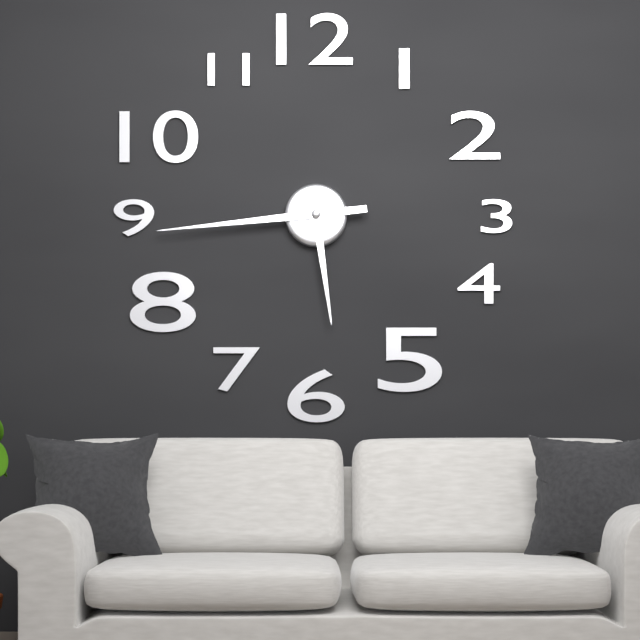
5:44
